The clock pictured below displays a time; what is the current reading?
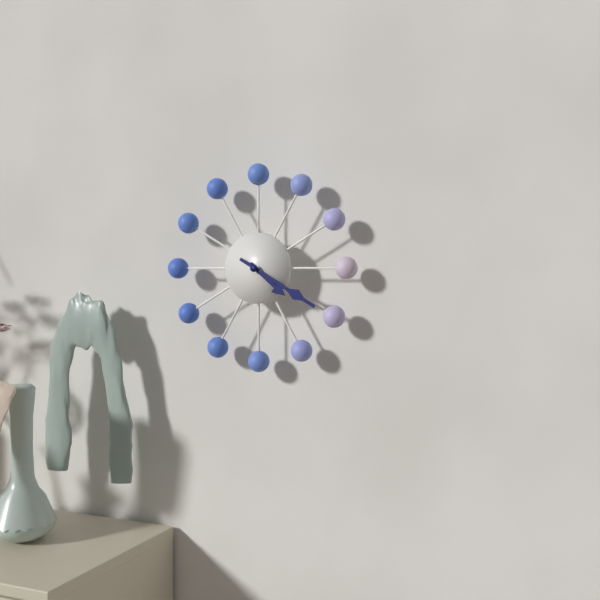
4:20
